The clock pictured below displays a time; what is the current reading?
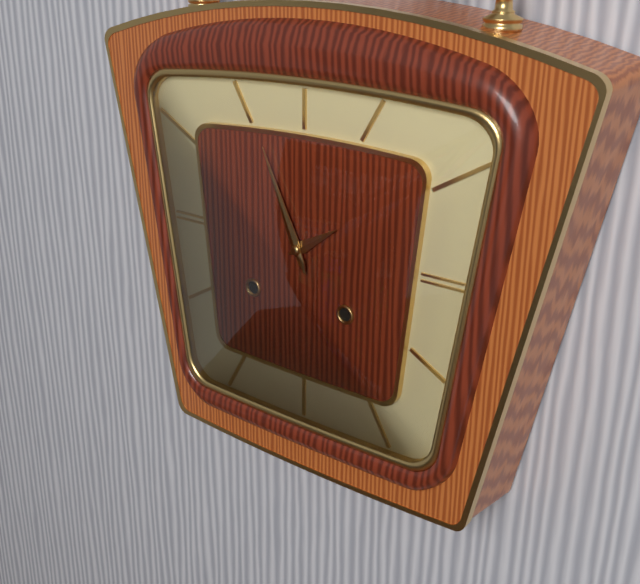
1:56
